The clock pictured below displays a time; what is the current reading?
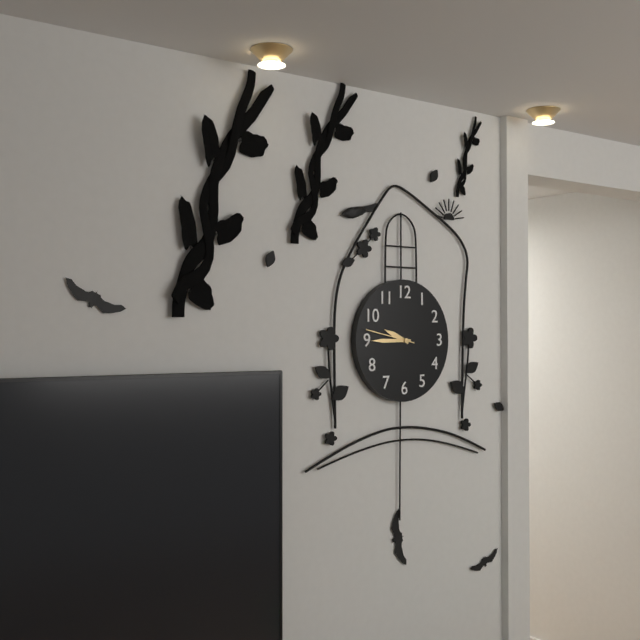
9:45
